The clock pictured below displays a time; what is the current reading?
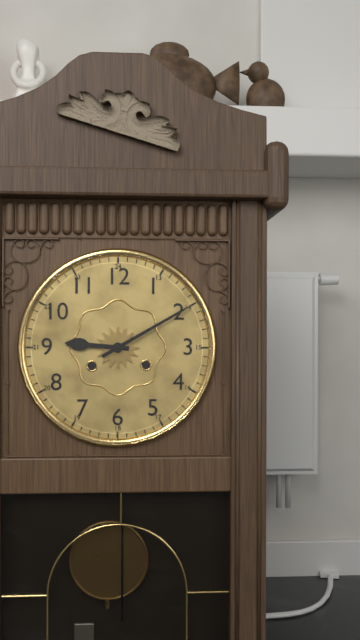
9:10
